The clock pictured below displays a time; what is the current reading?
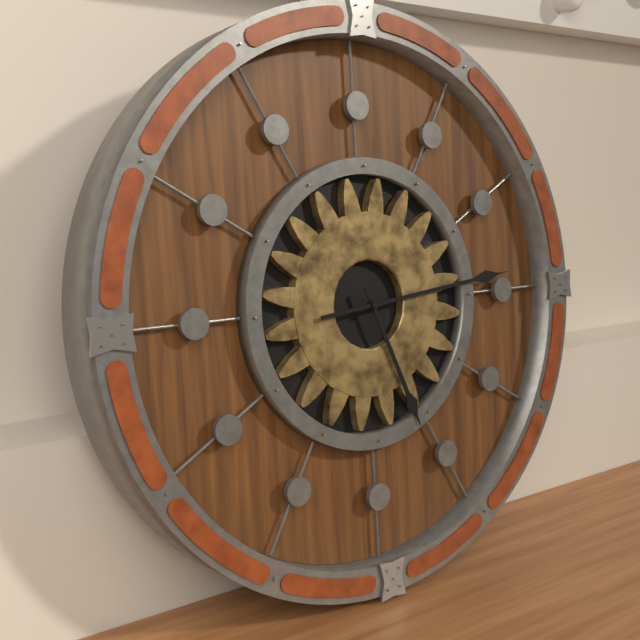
5:14
